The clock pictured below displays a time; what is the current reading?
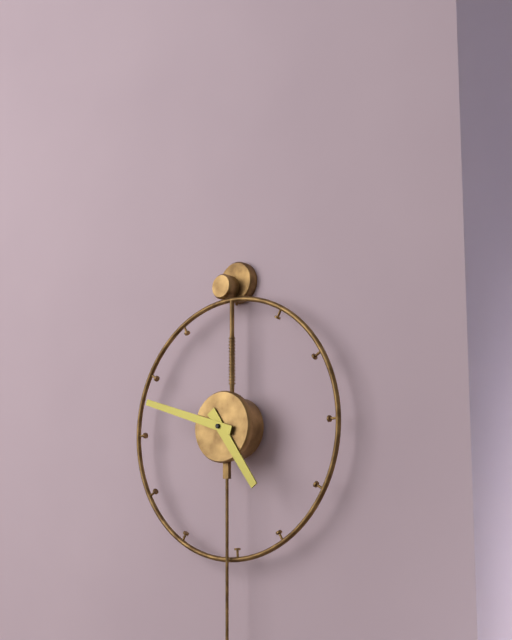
4:48
